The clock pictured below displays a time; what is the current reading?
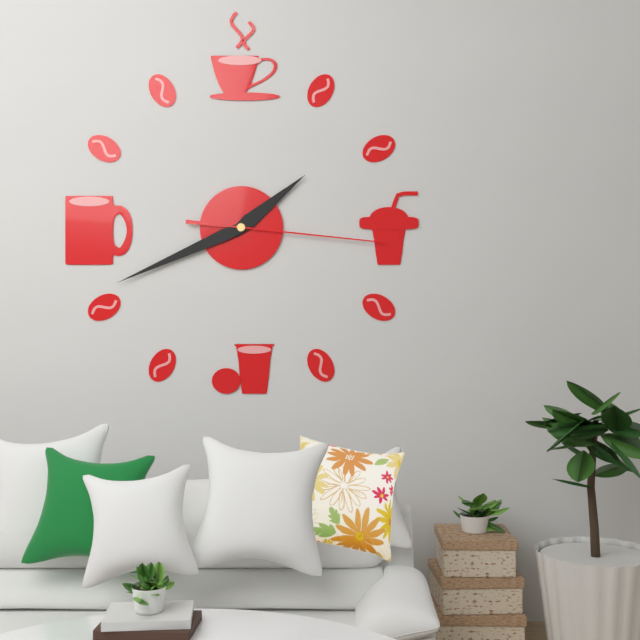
1:41:16
